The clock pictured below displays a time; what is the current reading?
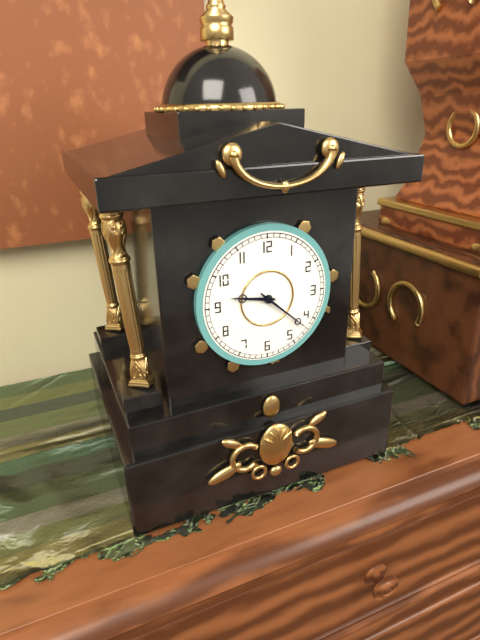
9:22
